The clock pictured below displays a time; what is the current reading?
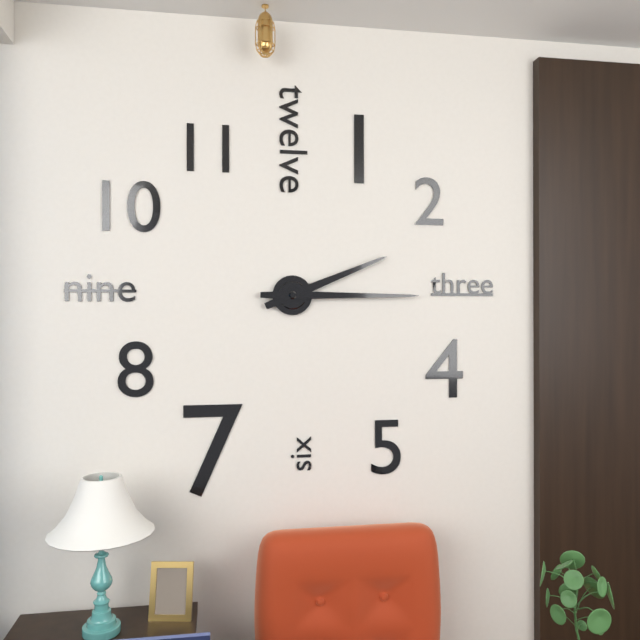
2:15
